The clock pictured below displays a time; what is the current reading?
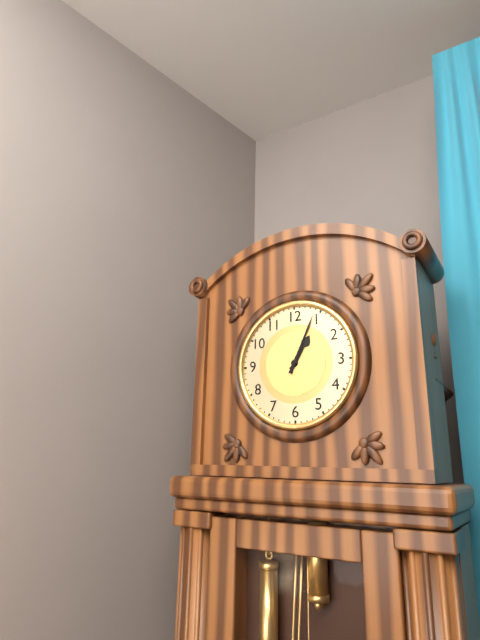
1:04
